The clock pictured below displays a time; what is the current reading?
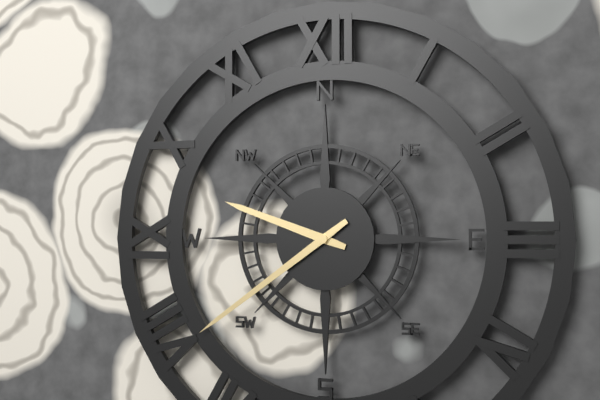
9:39
